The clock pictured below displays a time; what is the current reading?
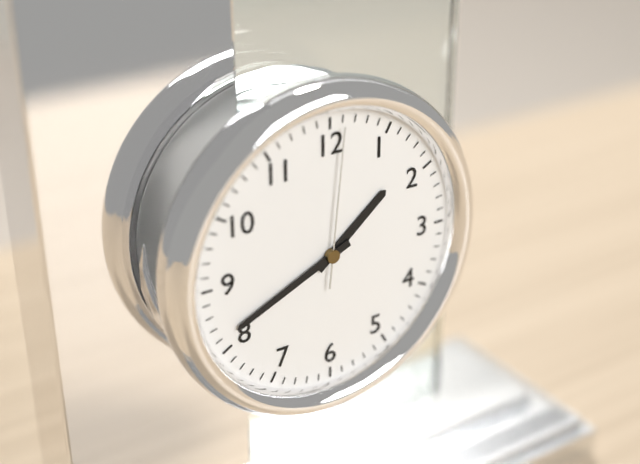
1:41:01
